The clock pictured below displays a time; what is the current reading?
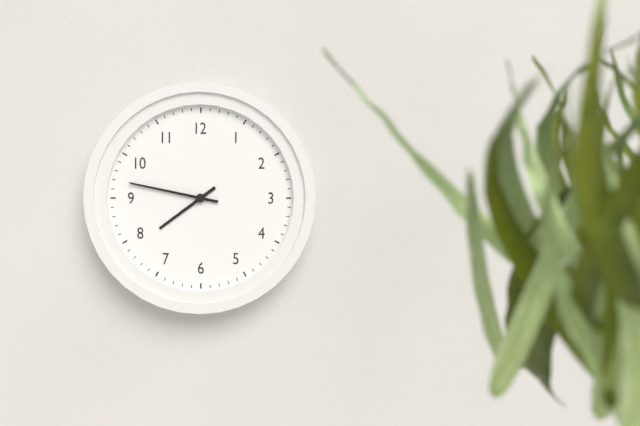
7:47:47
